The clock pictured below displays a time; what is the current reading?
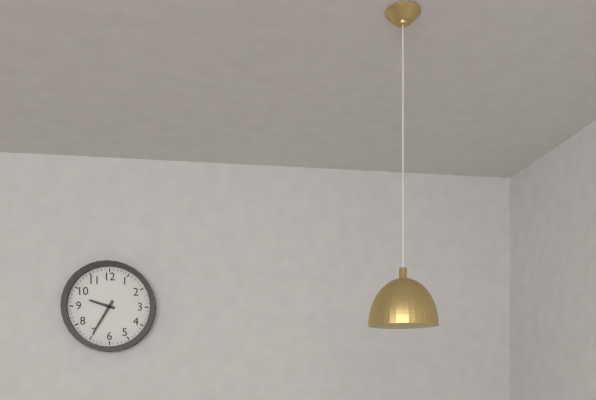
9:35
